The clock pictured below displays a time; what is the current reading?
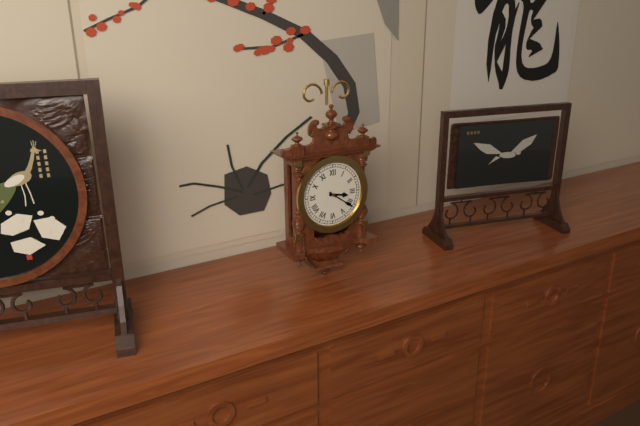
3:21
